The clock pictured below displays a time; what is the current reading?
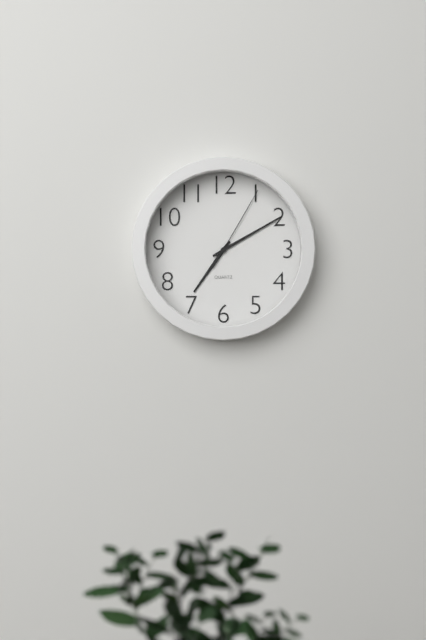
7:10:05
